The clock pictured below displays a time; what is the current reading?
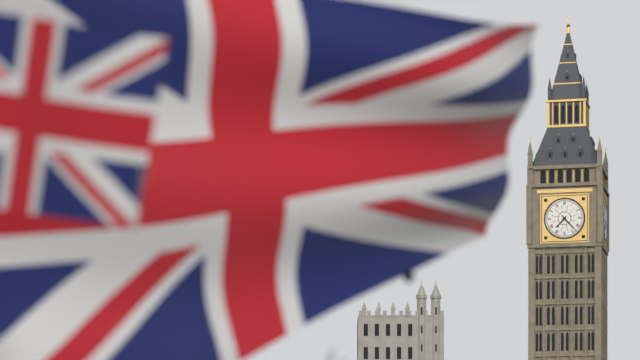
7:23
